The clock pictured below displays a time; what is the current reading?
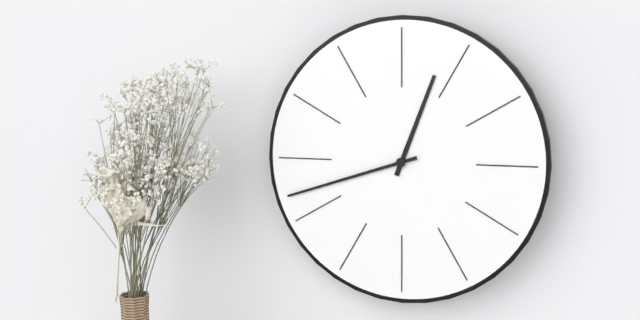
12:42
